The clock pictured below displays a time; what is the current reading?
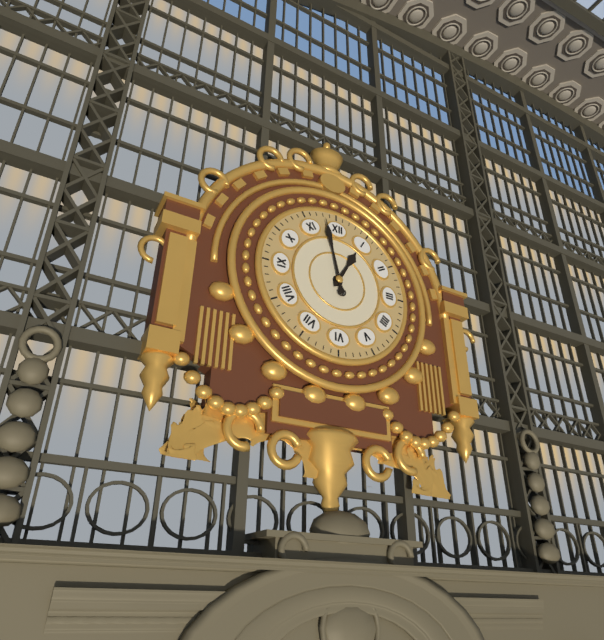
12:58
